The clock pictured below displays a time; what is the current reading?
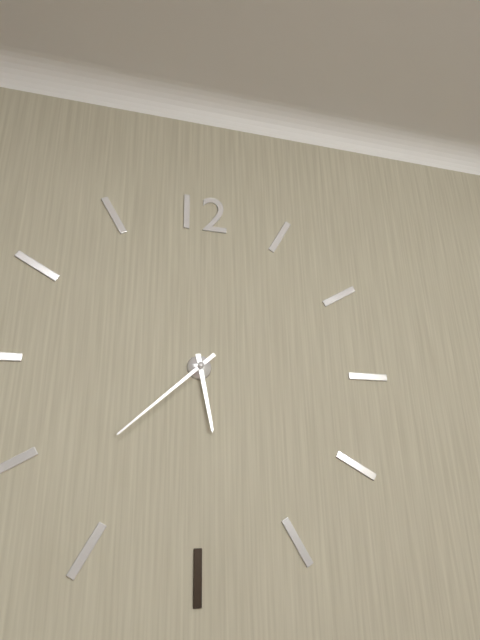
5:38
